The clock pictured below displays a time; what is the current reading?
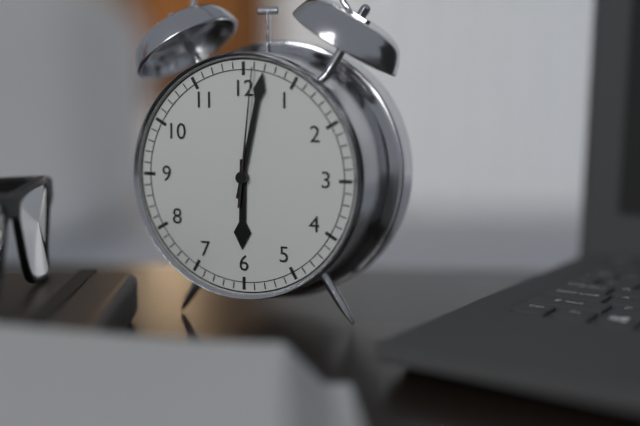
6:02:01
